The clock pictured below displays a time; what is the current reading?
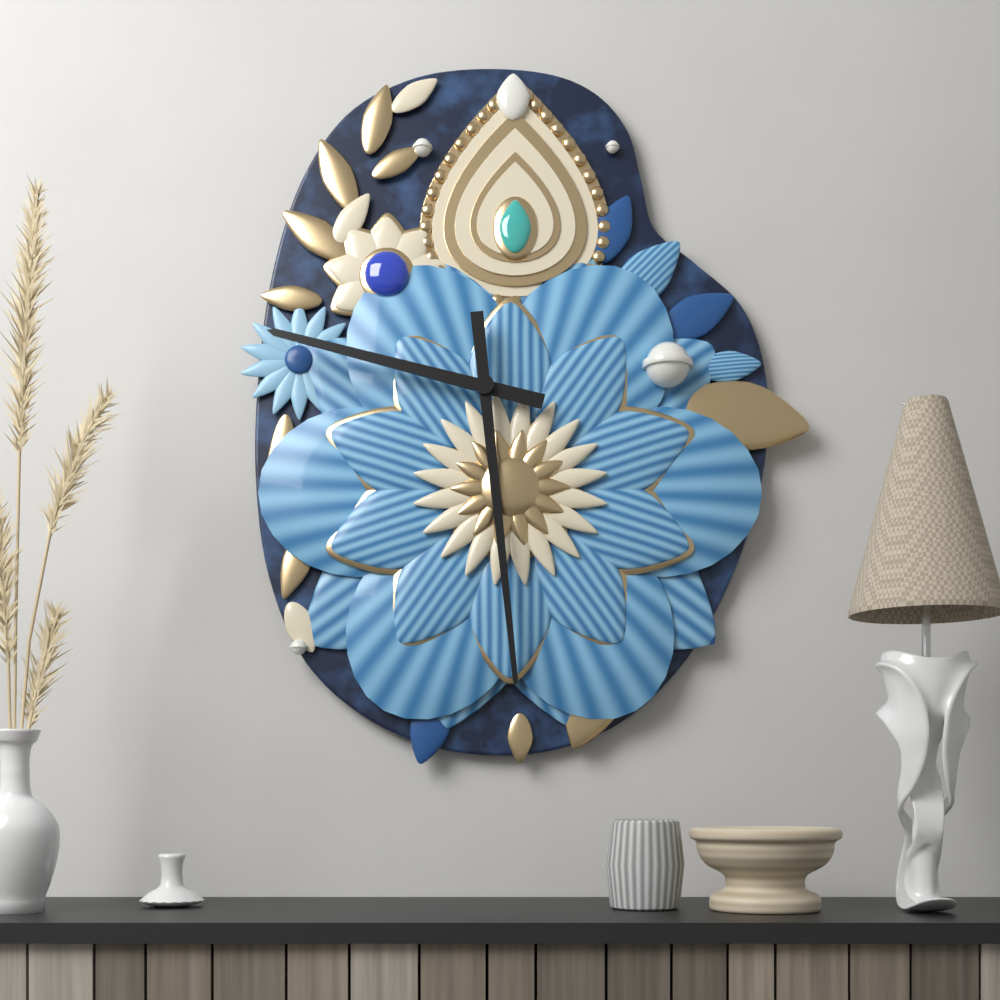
9:29
